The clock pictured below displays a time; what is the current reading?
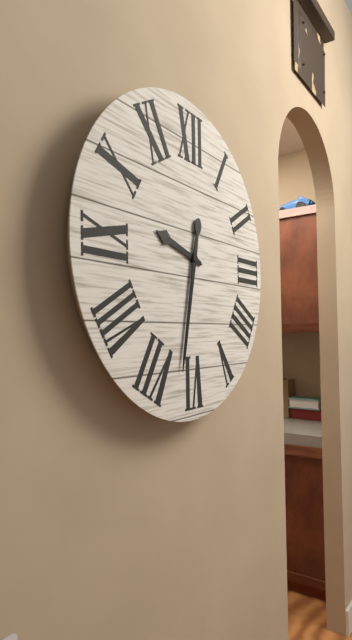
9:32
